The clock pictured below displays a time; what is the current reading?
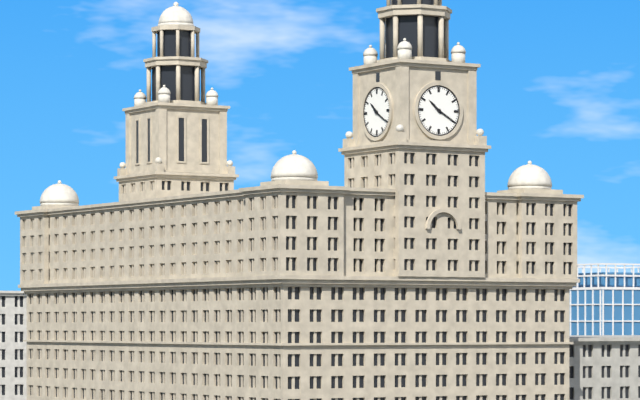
10:20
